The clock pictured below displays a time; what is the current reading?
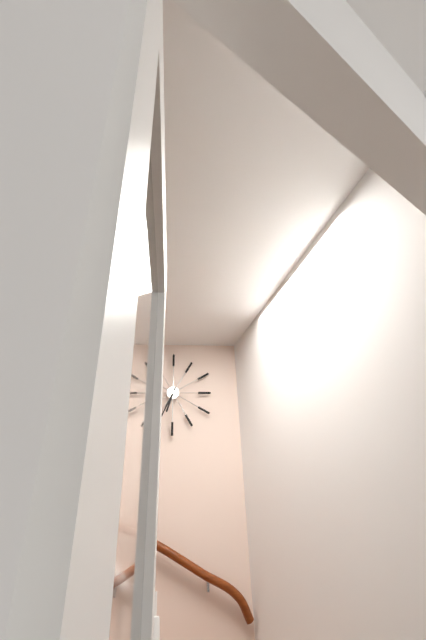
6:34
